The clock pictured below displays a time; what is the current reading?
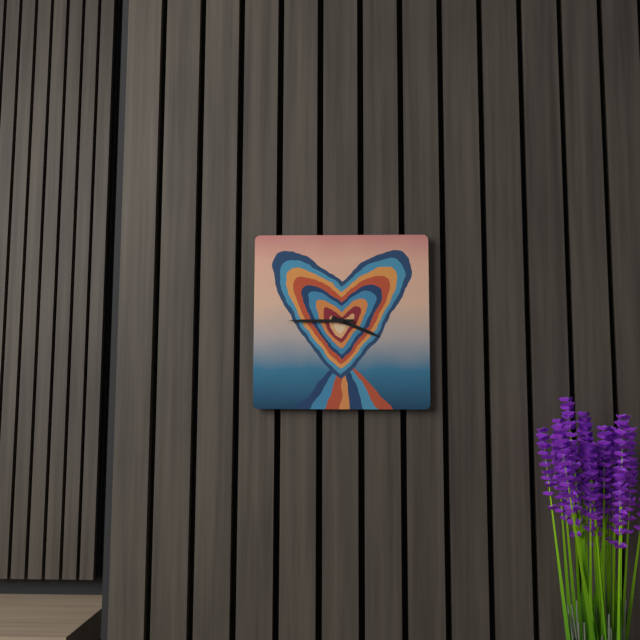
3:45
